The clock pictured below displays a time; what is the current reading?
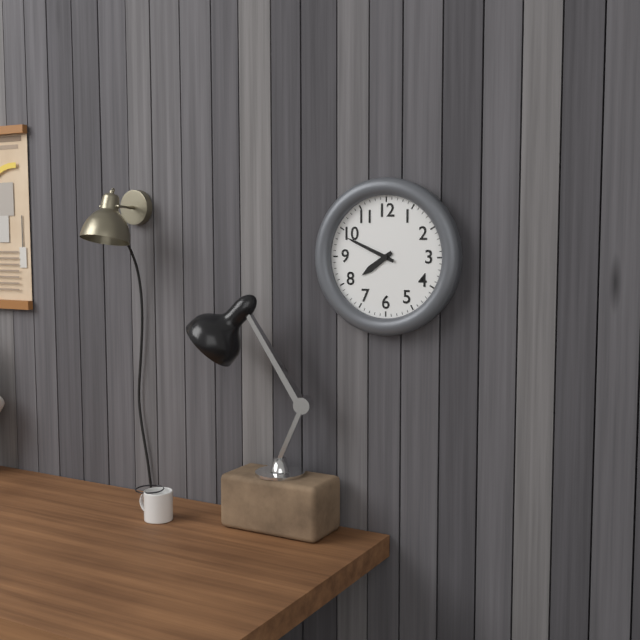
7:49
